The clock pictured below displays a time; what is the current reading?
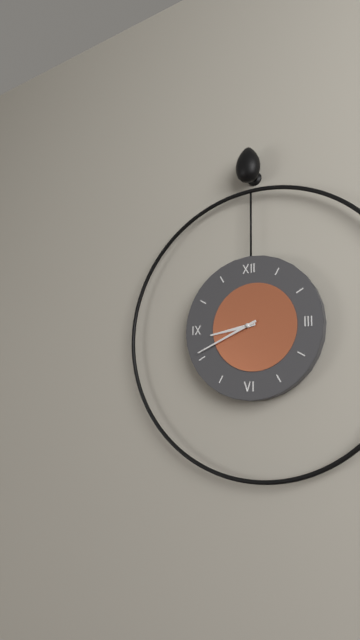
8:41
